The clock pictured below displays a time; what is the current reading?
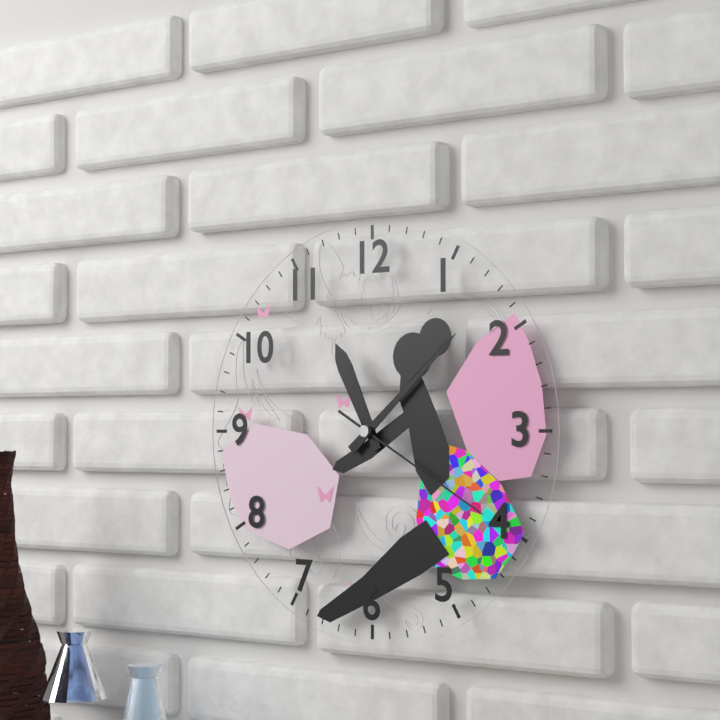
11:08:20
